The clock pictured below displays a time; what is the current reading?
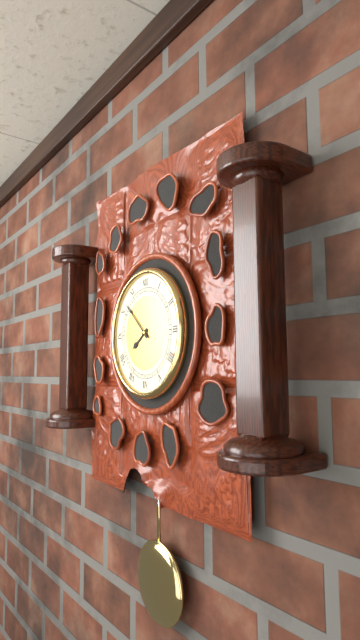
7:52
